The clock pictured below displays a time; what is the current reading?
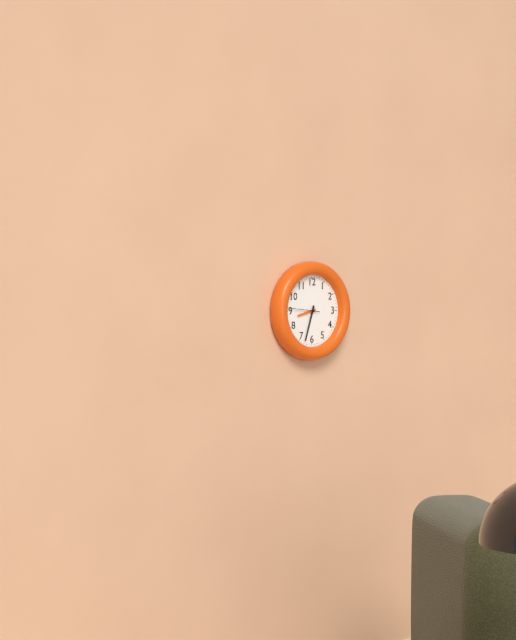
8:33
